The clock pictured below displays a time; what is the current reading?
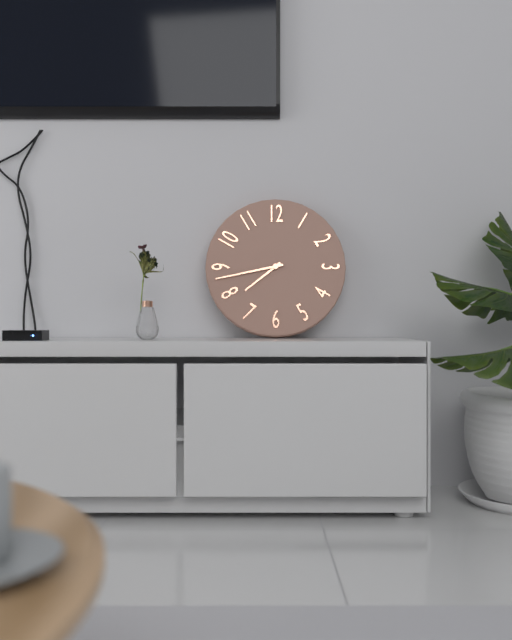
7:43
